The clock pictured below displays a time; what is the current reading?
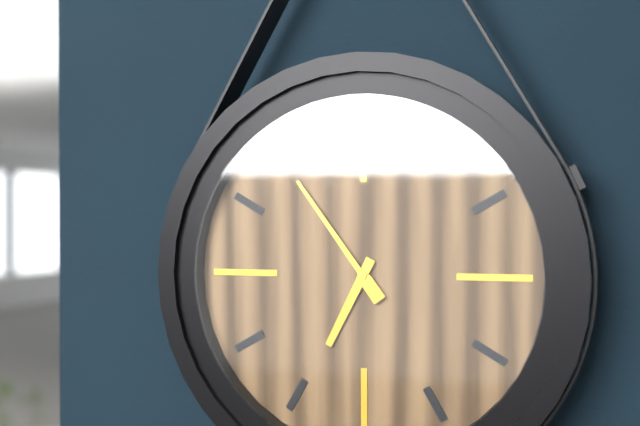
6:54
